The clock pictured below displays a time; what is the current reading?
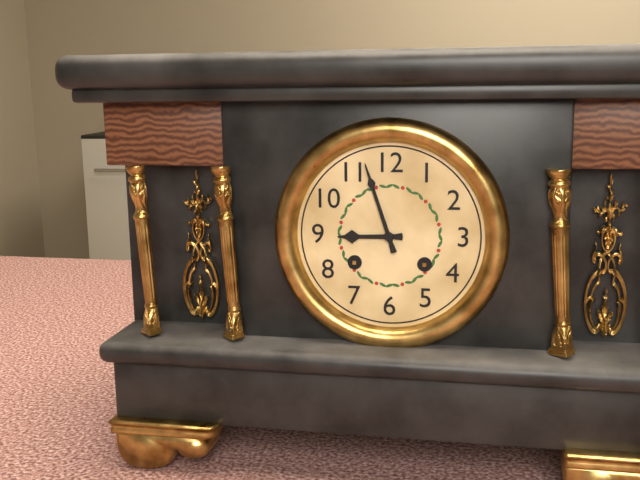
8:57
